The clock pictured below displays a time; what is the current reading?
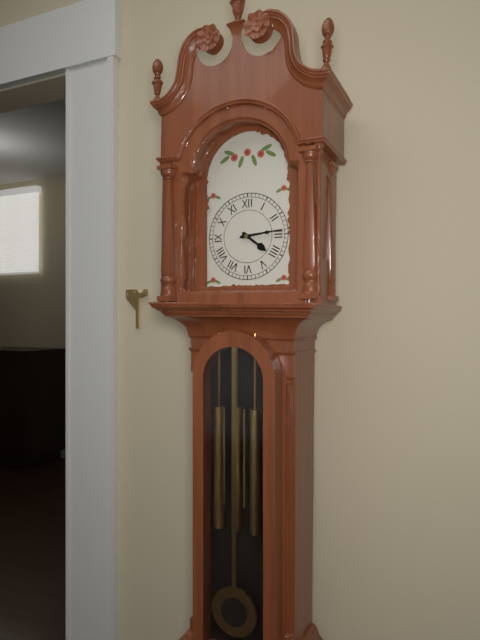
4:14
